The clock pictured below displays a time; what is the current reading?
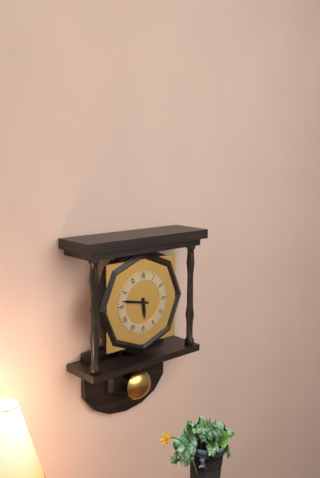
5:47
